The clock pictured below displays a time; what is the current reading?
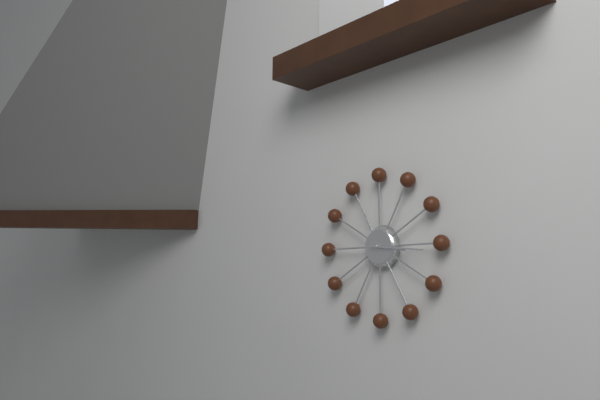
3:16
